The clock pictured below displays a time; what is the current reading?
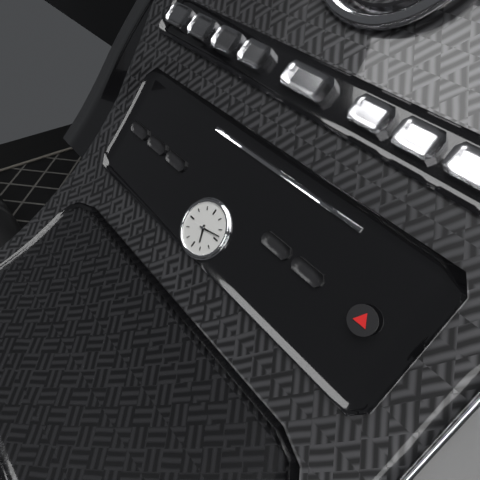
5:13
